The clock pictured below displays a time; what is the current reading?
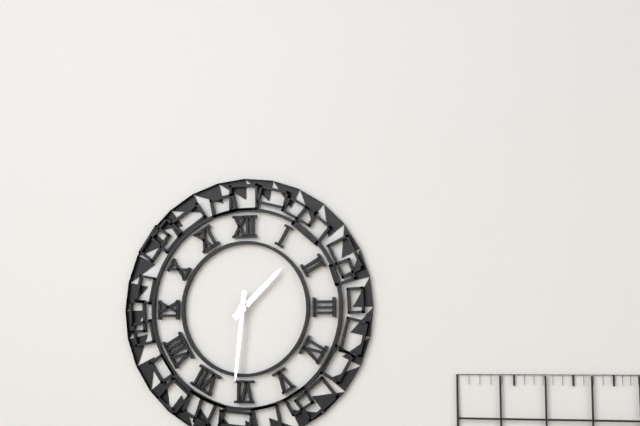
1:31
